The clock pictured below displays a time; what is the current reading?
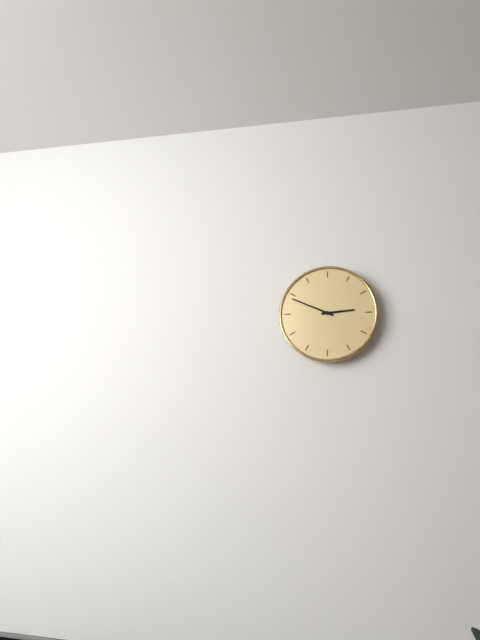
2:49
